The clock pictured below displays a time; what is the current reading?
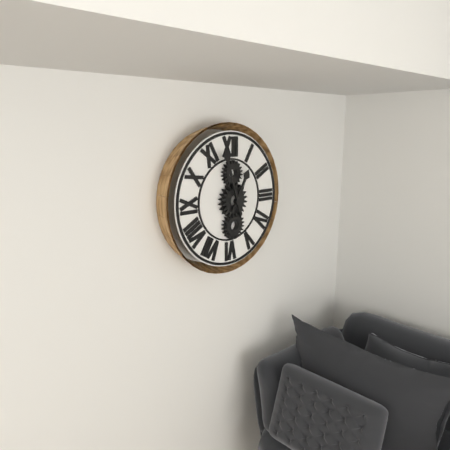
12:57
